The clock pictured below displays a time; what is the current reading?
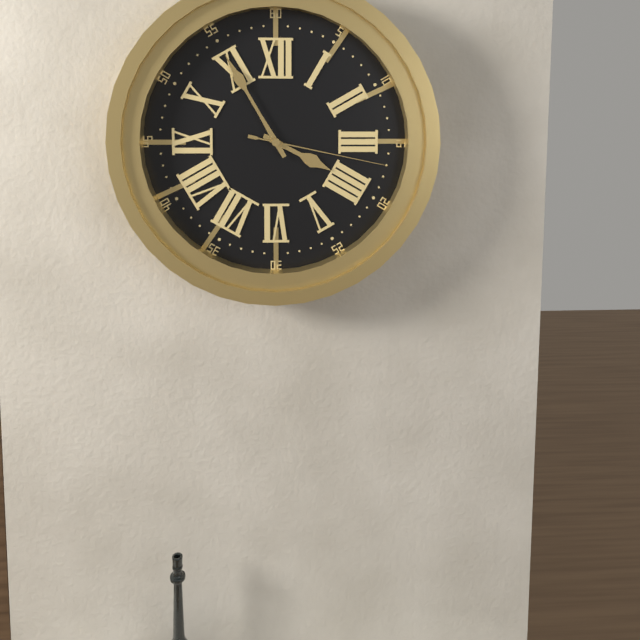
3:55:17
